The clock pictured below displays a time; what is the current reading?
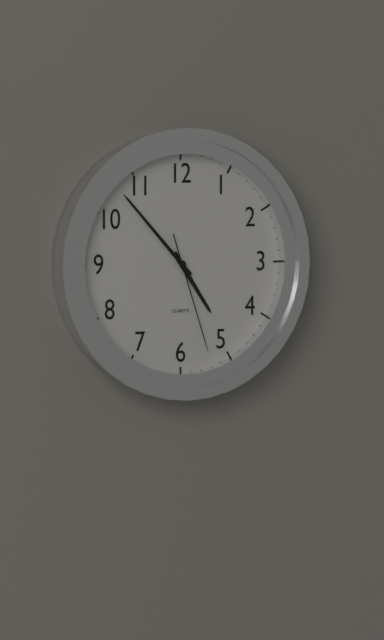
4:53:27
